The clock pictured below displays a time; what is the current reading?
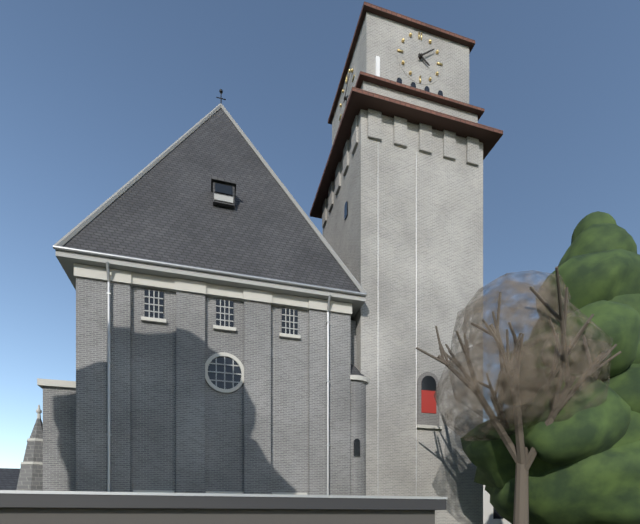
4:09
